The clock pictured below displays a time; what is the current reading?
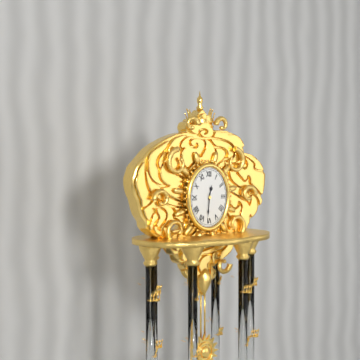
12:31
